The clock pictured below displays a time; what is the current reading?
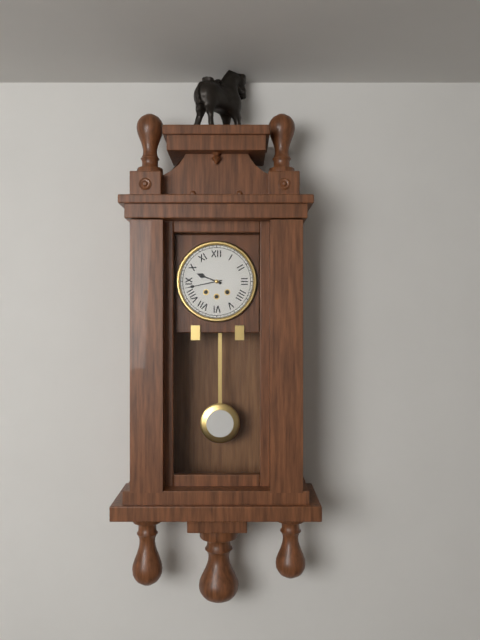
9:43
